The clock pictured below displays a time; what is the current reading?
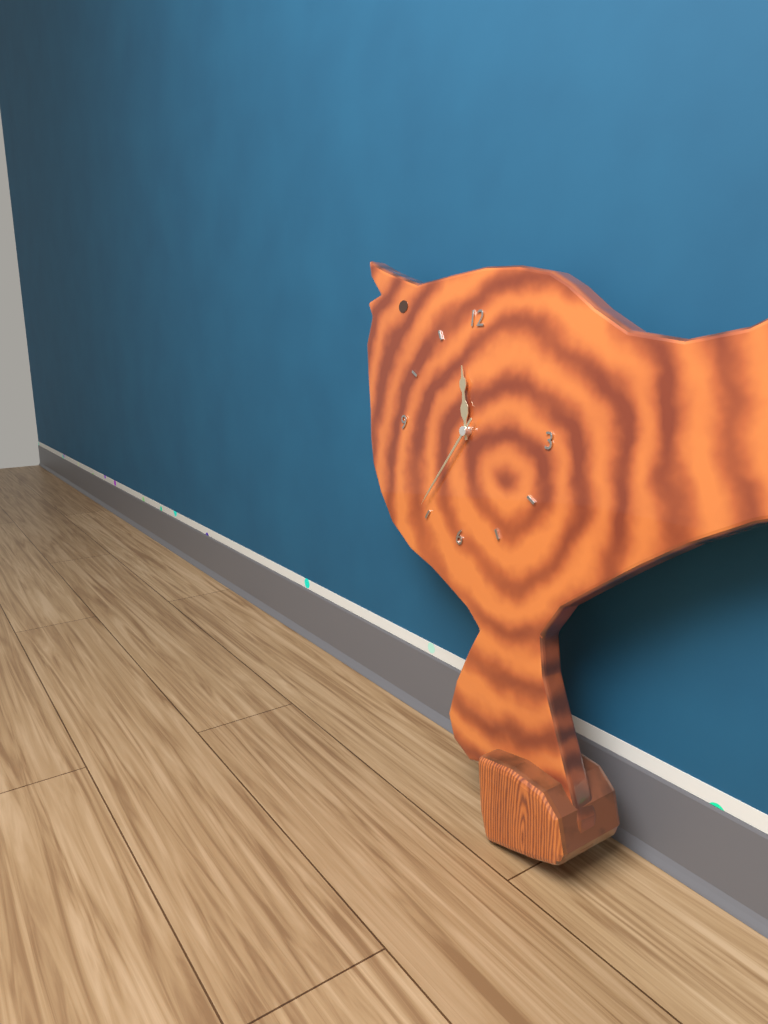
11:36
